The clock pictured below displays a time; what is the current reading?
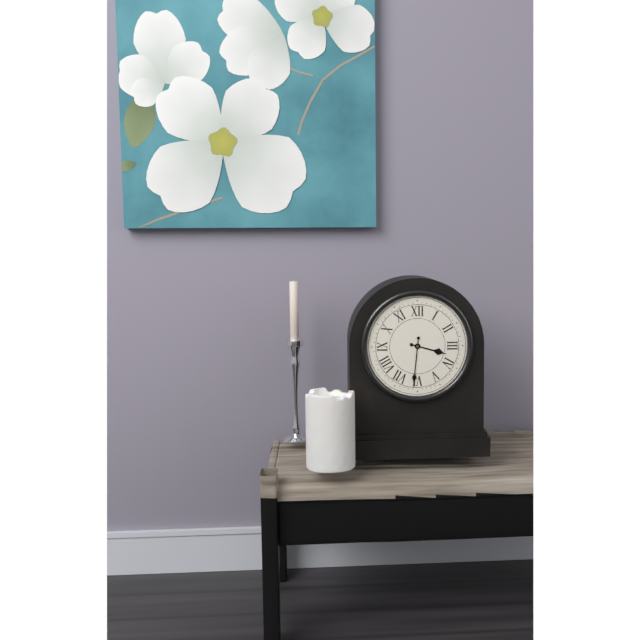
3:31
